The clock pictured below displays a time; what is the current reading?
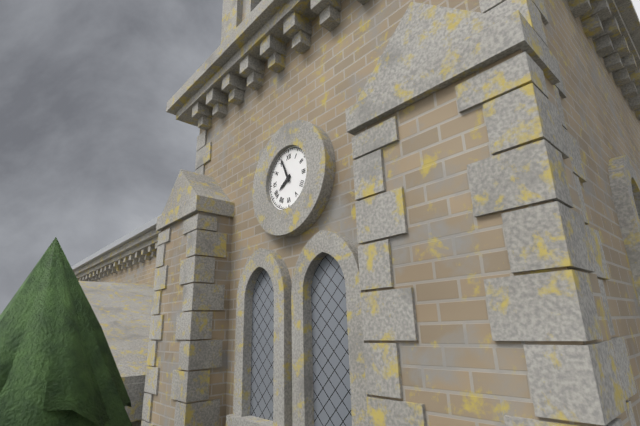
7:56
